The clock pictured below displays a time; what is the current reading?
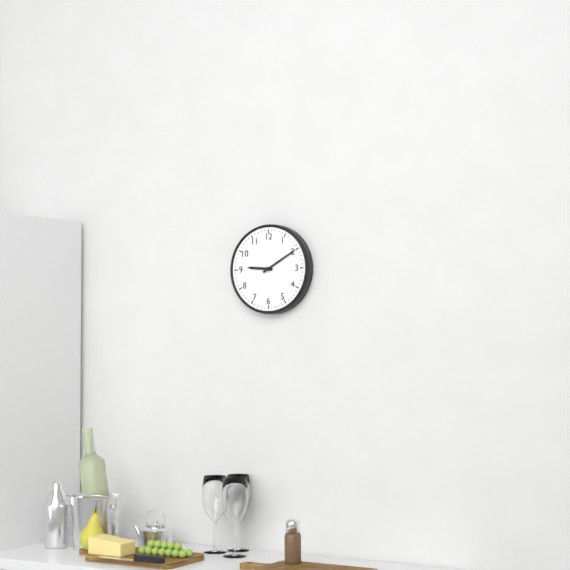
9:10
